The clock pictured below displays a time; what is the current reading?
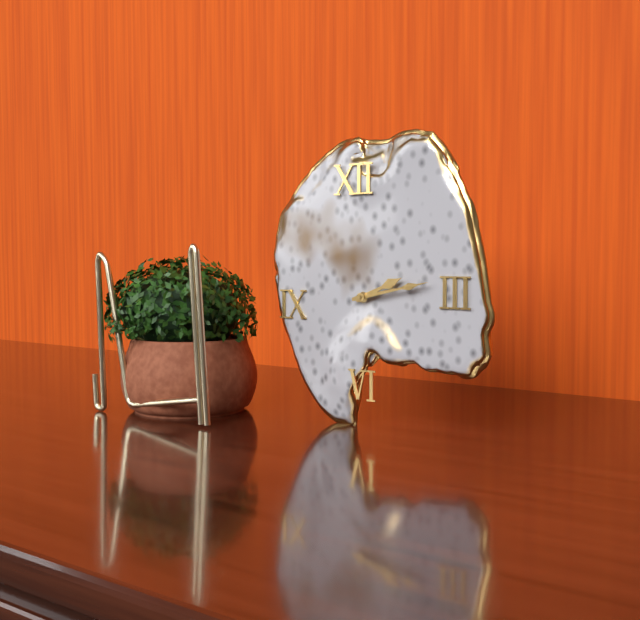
2:13
